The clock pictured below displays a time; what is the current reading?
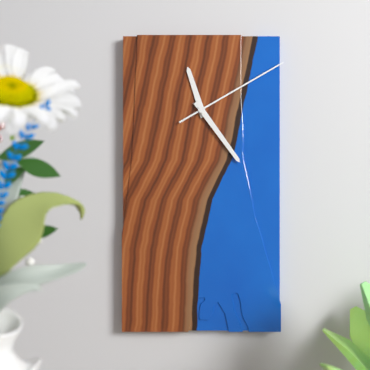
11:24:10
